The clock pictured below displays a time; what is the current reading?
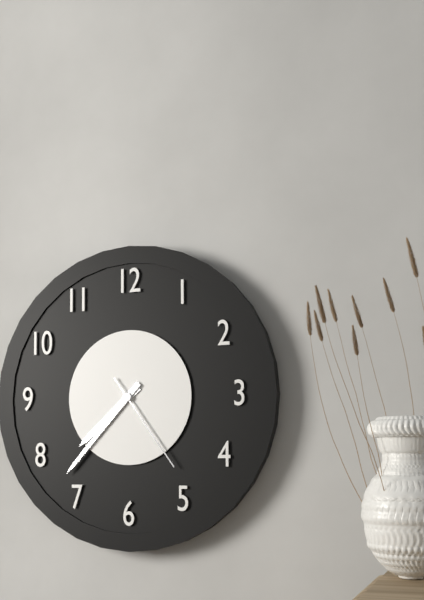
7:37:24
